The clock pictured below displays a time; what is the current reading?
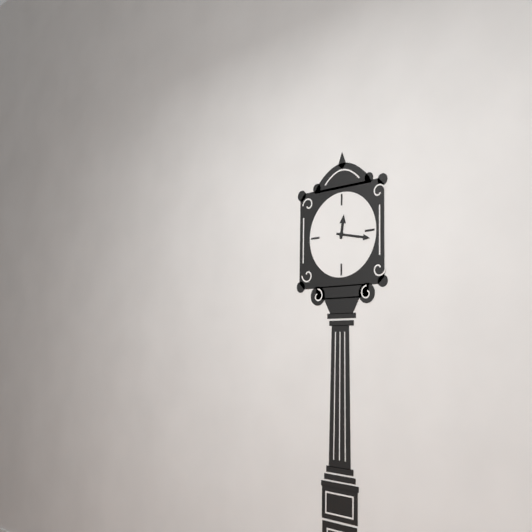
12:17
